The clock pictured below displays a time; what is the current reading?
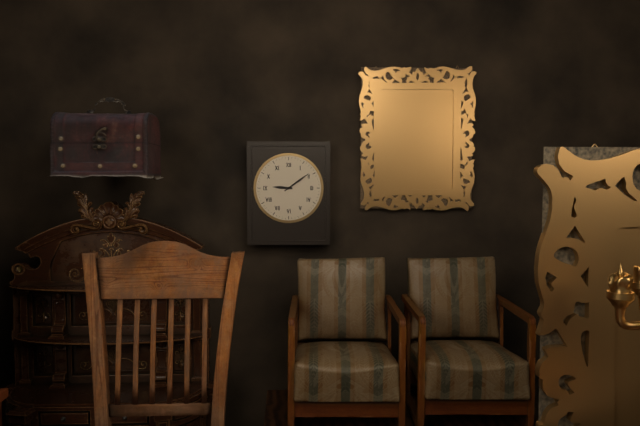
9:09
